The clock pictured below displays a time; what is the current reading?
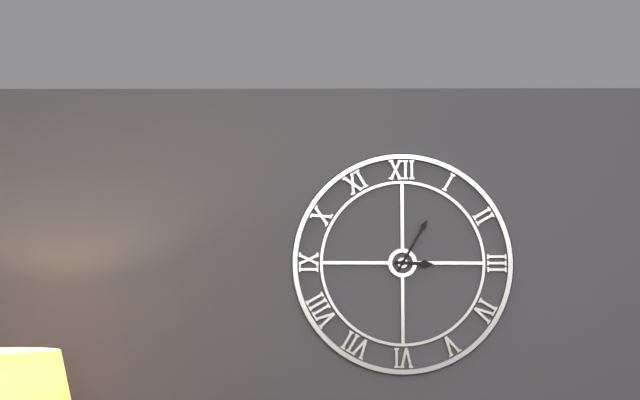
3:05
